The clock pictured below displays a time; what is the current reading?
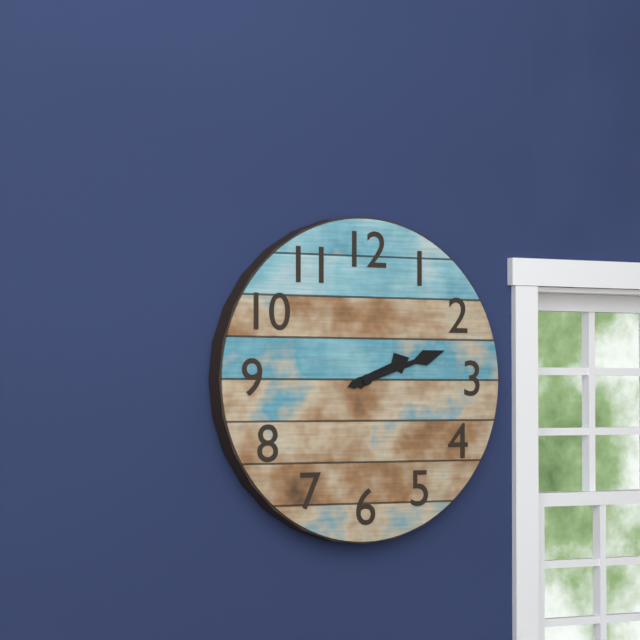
2:12
